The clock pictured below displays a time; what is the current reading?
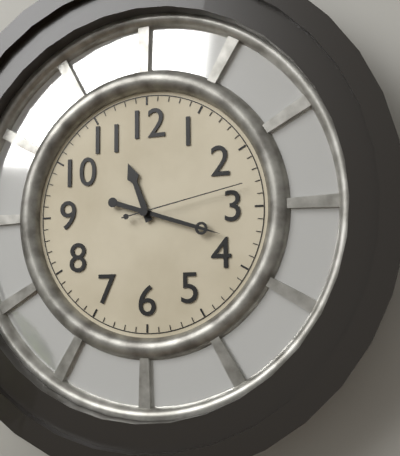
11:18:13
